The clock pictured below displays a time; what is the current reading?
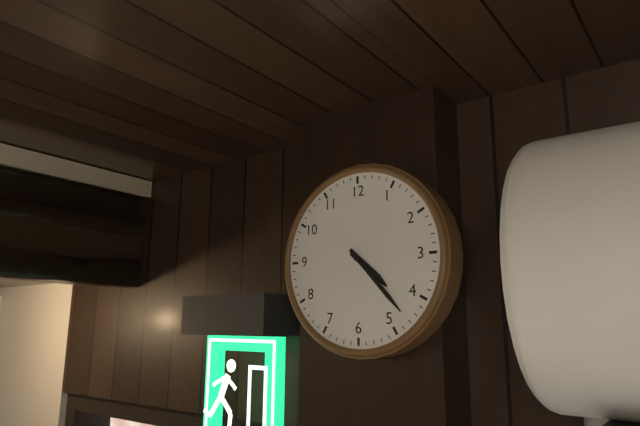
4:23
